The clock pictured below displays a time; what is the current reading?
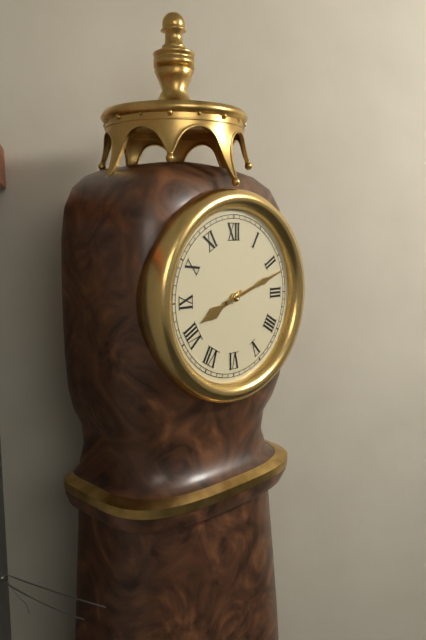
8:12
